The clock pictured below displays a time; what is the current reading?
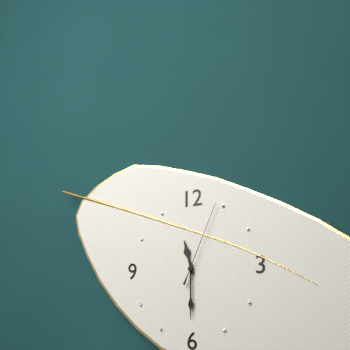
11:30:04
